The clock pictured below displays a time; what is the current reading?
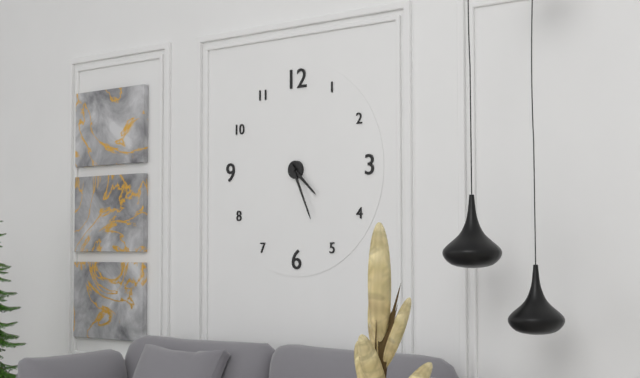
4:26
